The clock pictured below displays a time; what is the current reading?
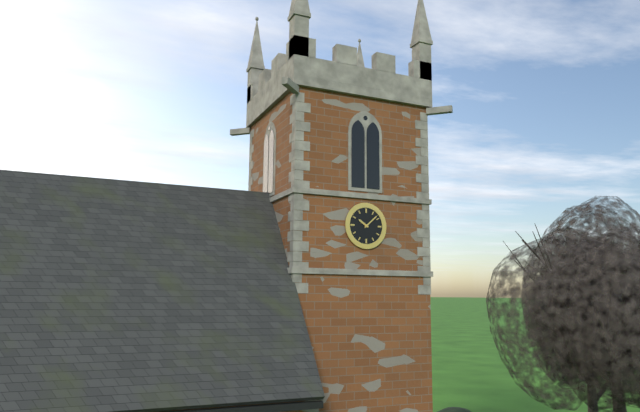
10:08
